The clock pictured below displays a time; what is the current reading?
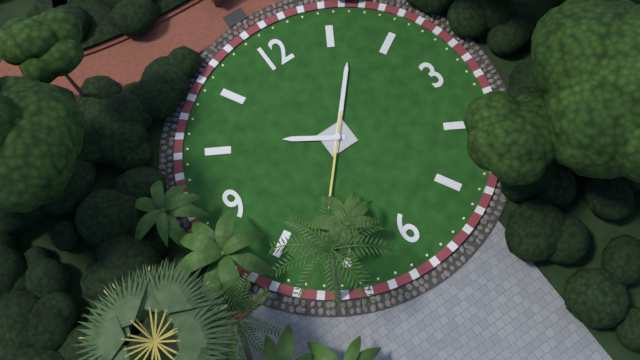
10:07:37
